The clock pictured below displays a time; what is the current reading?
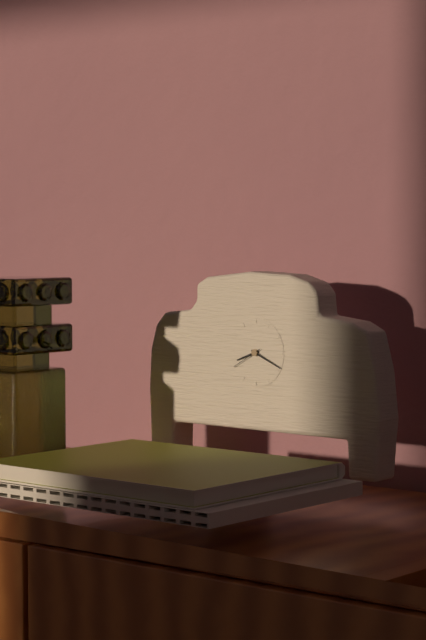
8:19
